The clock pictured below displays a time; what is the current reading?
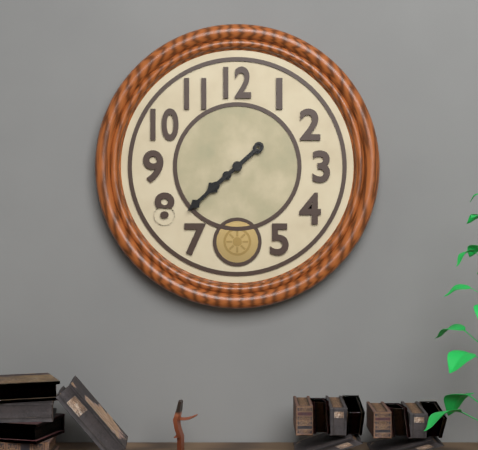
7:38
